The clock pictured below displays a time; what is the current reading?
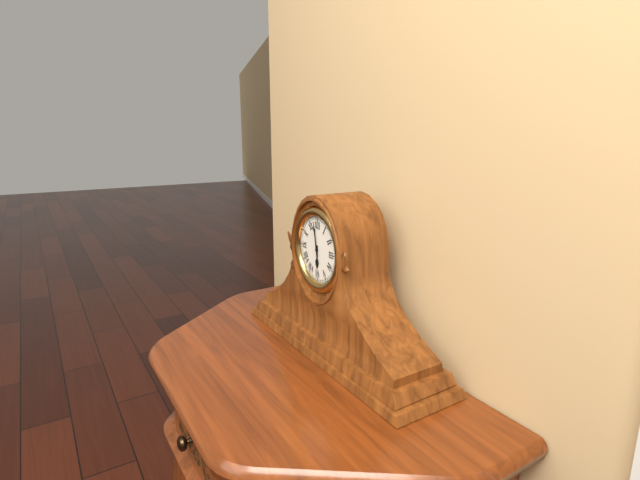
5:58
